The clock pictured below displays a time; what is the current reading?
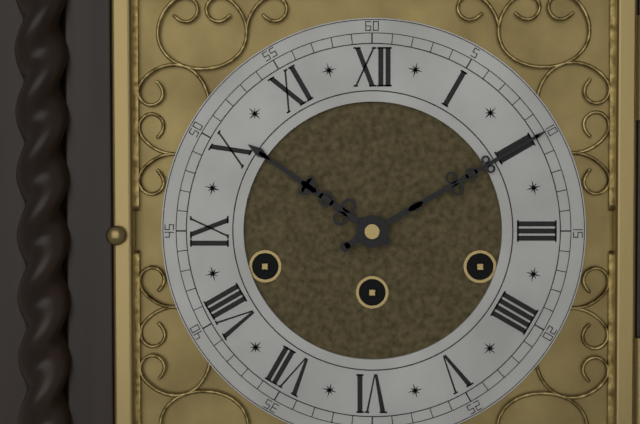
10:10
